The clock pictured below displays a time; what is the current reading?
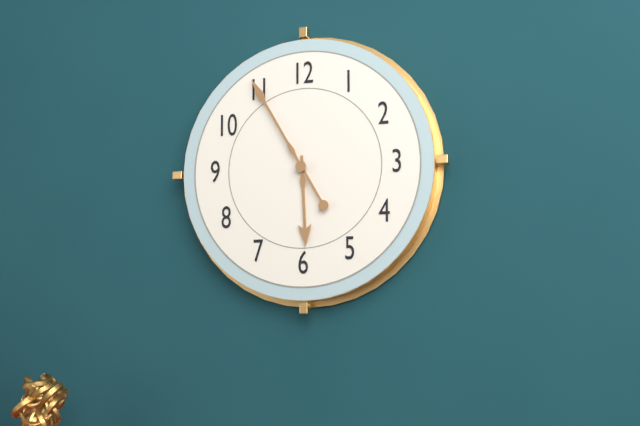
5:55
